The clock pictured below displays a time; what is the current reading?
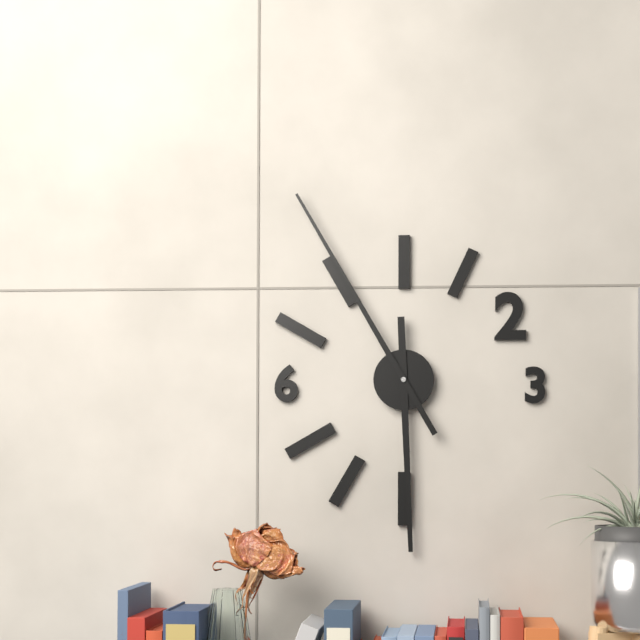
5:55
